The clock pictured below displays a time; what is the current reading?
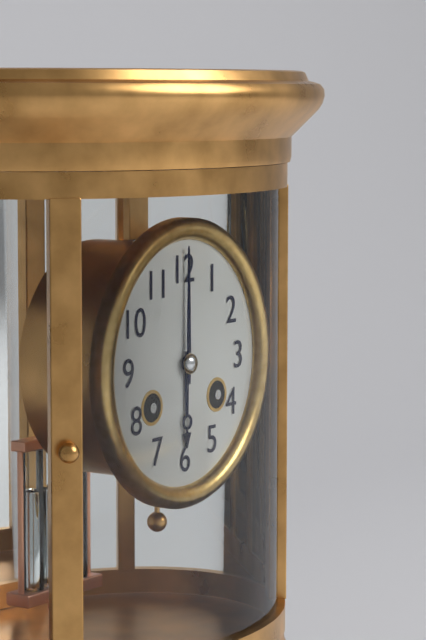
6:00
